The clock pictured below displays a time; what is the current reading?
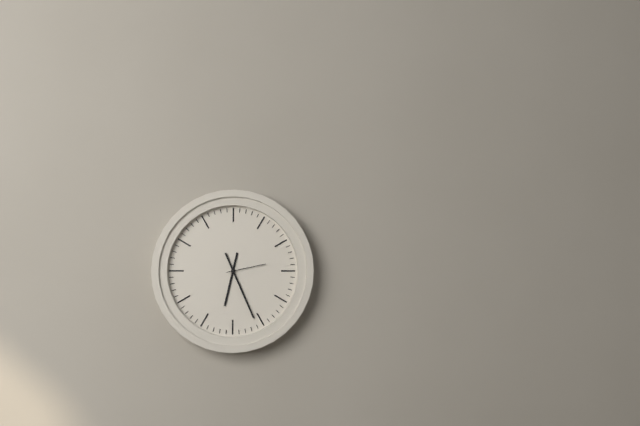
6:26
